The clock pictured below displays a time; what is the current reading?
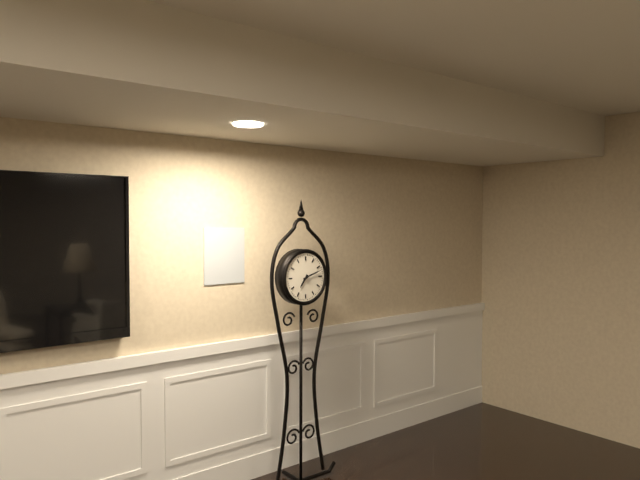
7:12
